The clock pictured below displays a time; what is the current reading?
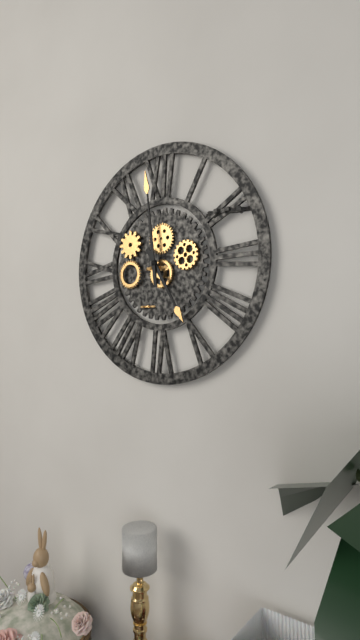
4:59
